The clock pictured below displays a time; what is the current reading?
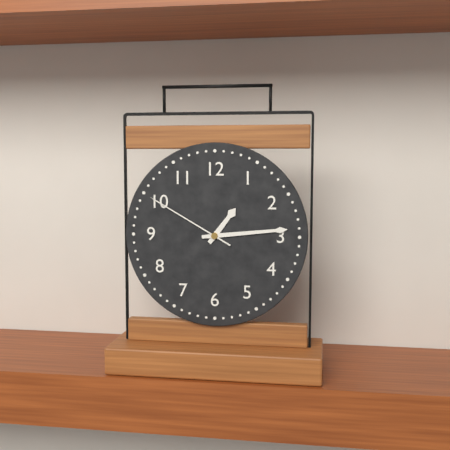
1:14:50
